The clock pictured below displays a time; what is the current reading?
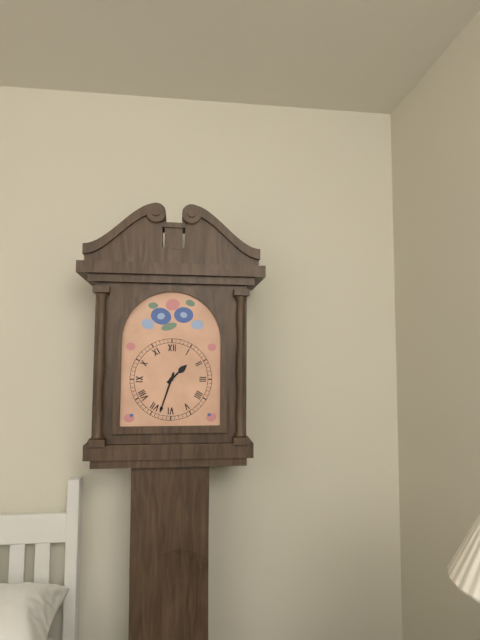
1:33
